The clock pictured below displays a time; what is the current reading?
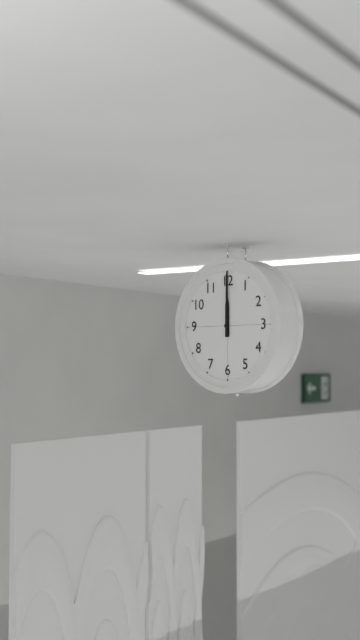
12:00
